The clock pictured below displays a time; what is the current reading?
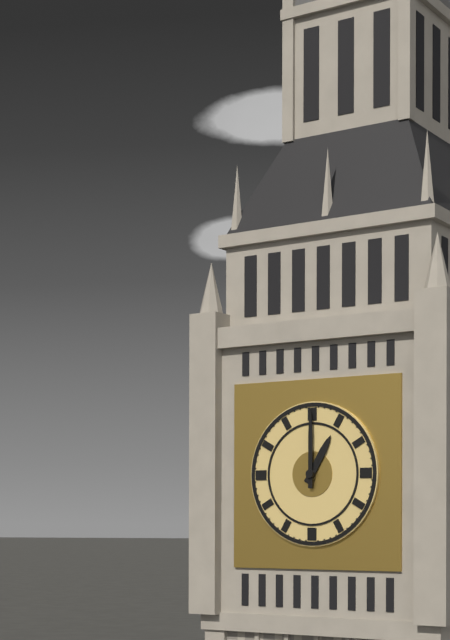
1:00
